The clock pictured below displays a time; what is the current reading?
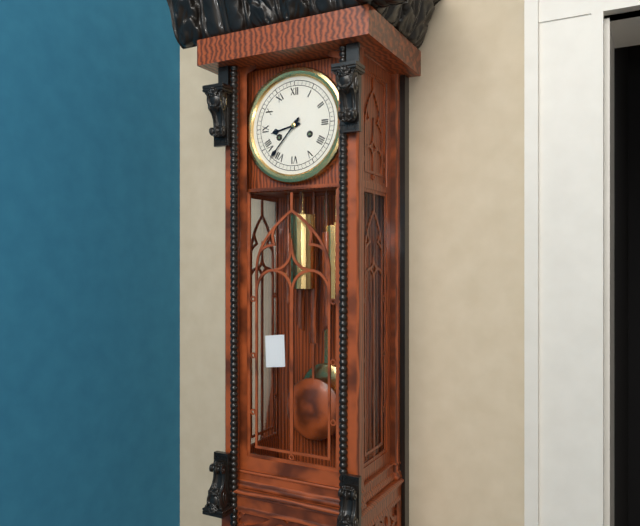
8:37
